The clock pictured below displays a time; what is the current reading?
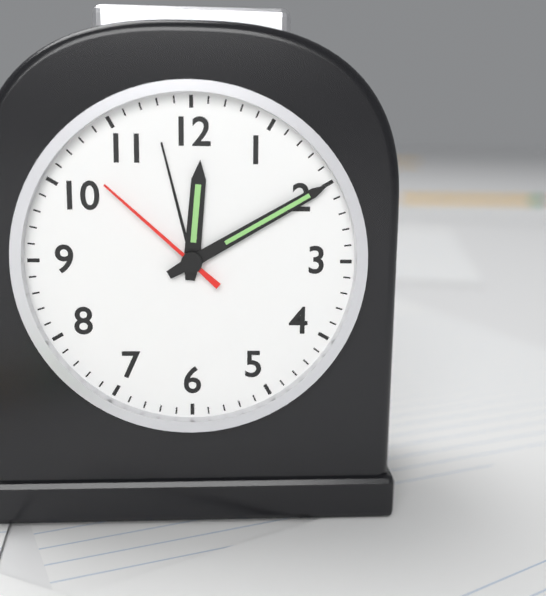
12:10:52
